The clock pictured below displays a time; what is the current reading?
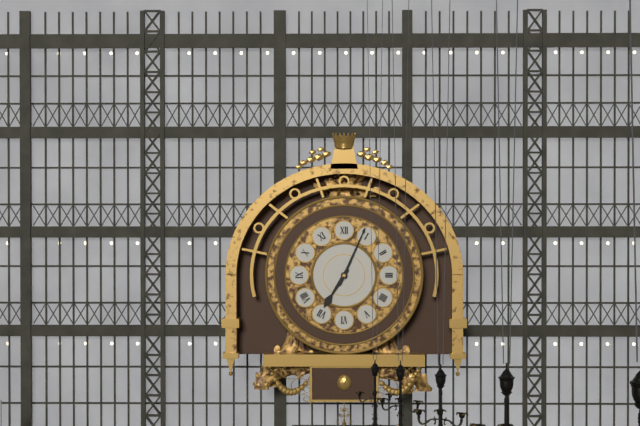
7:04
